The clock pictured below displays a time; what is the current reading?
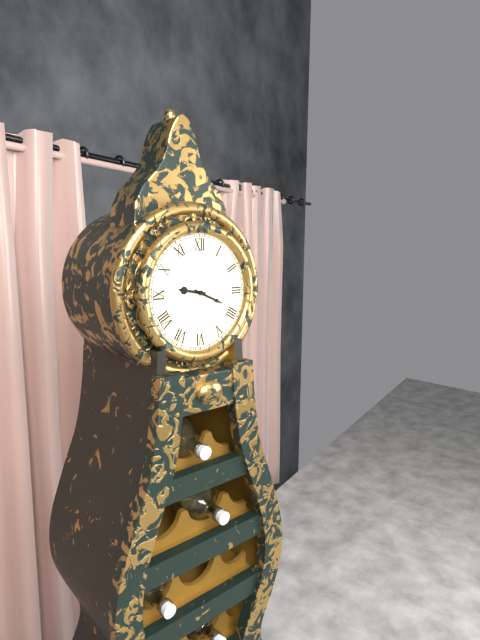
9:19
